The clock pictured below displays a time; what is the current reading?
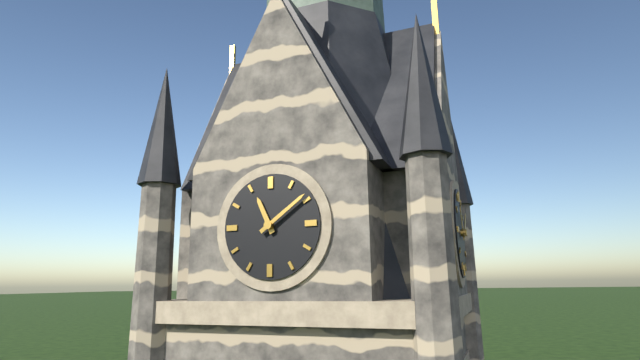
11:09
